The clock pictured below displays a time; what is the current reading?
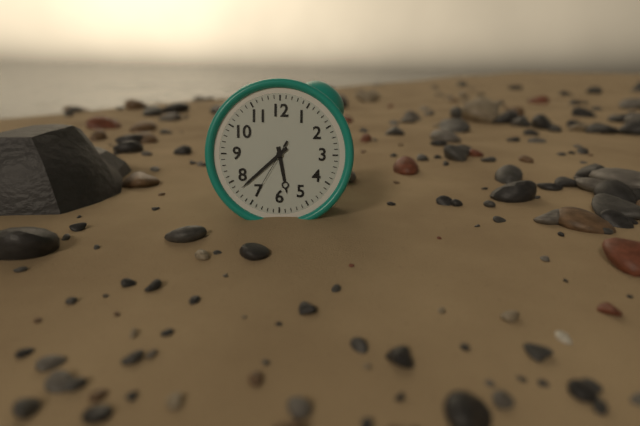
5:38:35
